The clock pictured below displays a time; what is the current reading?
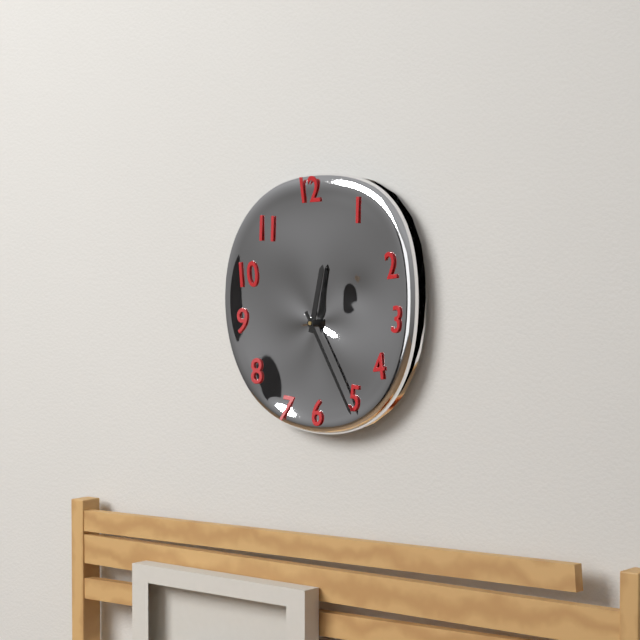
12:25
